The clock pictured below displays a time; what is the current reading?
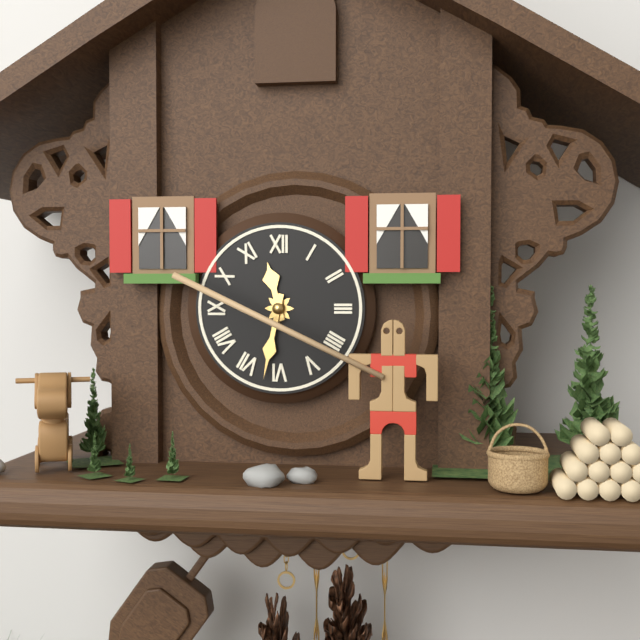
11:32
